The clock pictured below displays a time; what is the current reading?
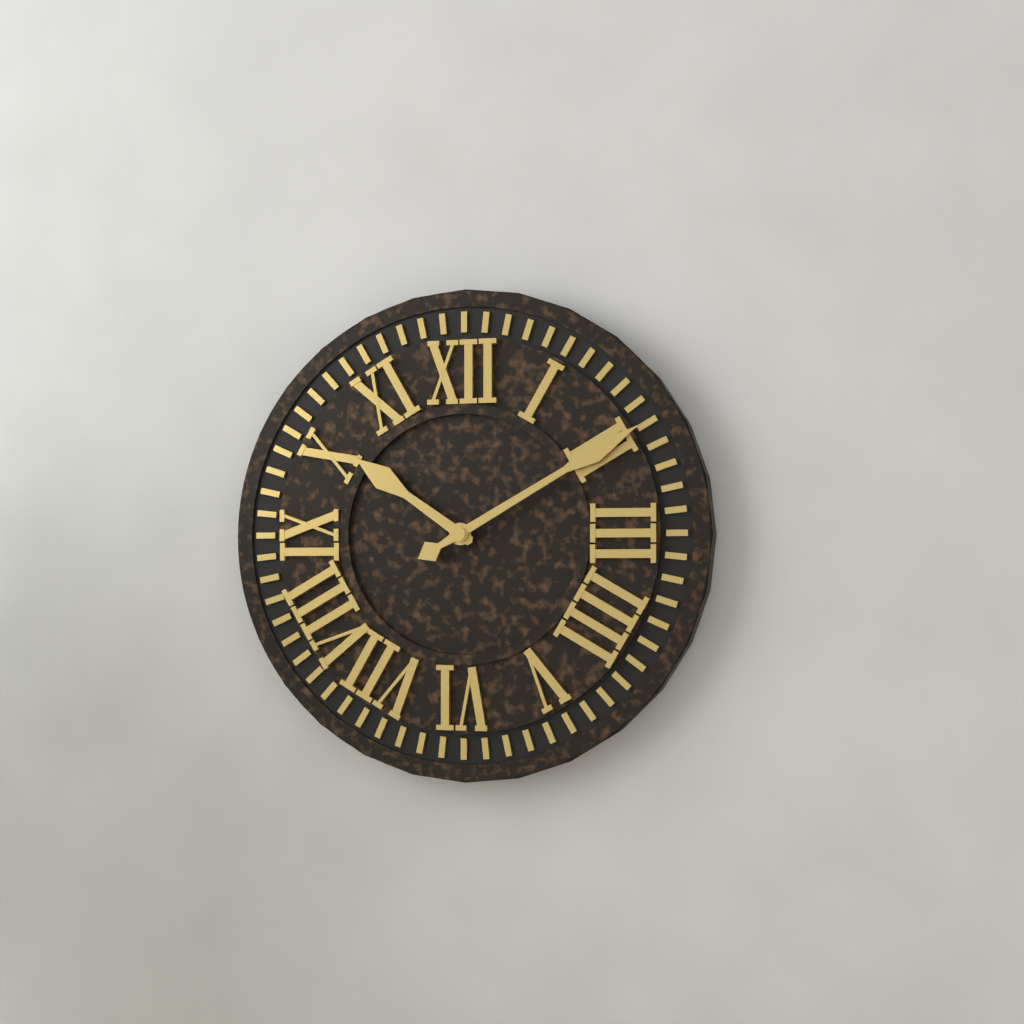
10:10
